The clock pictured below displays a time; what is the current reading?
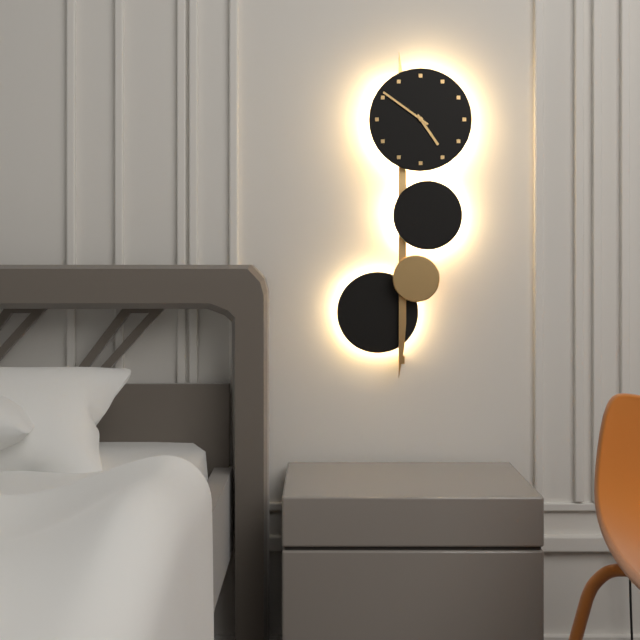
4:51
